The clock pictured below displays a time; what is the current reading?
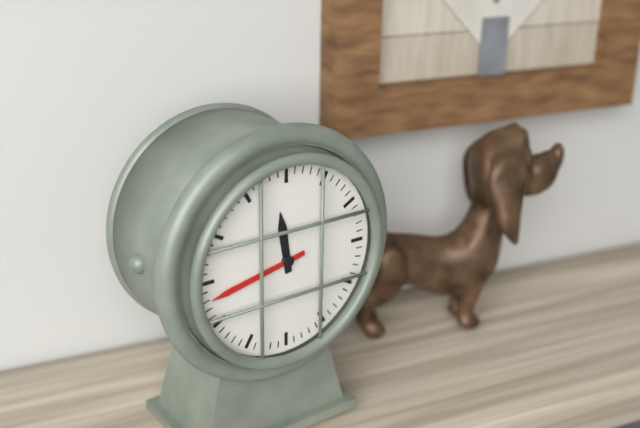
11:43
